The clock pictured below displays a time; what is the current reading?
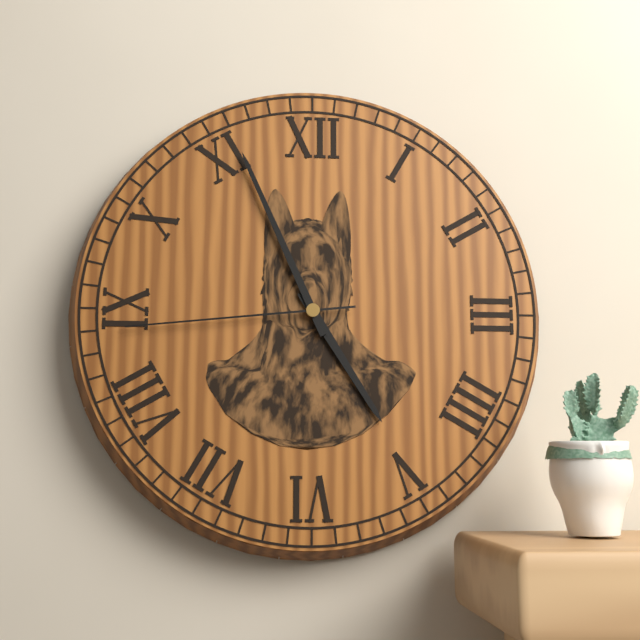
4:56:44
